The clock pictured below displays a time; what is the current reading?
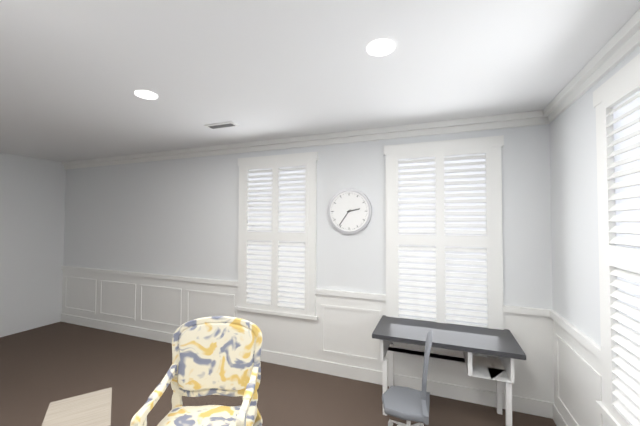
2:36
